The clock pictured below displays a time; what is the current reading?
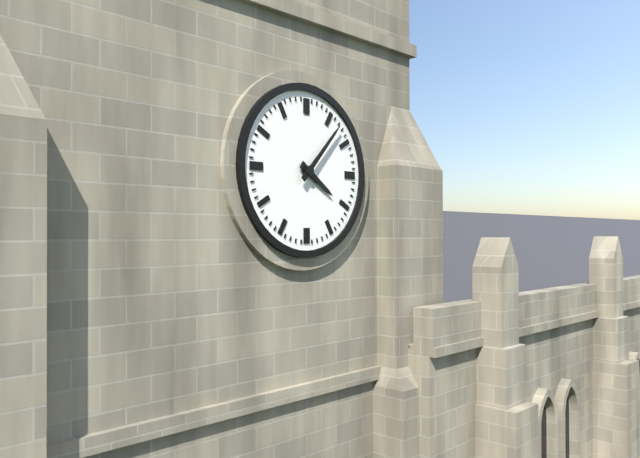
4:07
